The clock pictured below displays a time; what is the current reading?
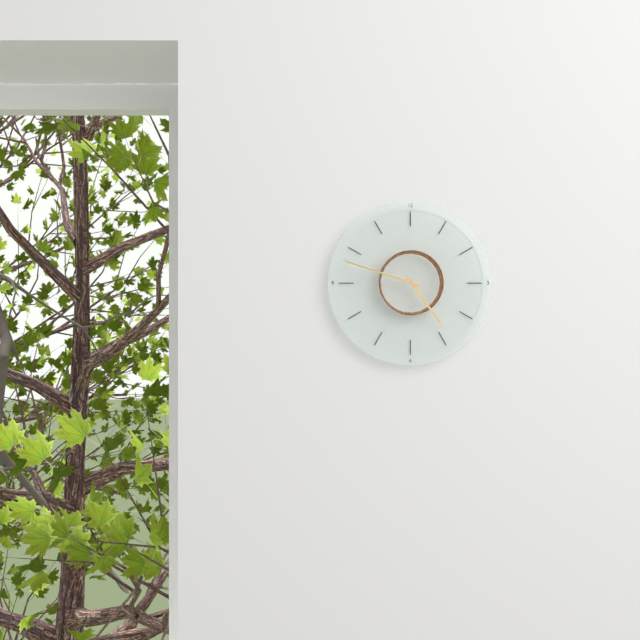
4:48
